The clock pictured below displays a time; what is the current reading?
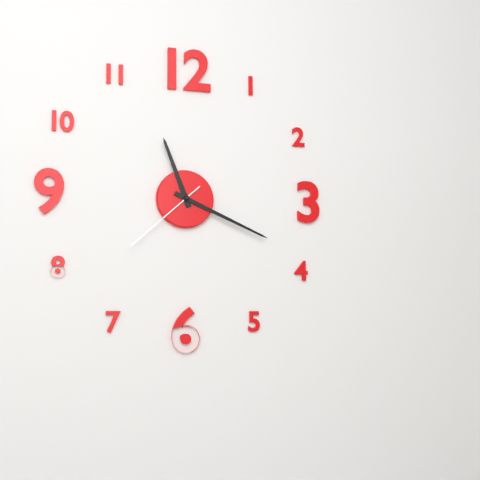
11:19:38
